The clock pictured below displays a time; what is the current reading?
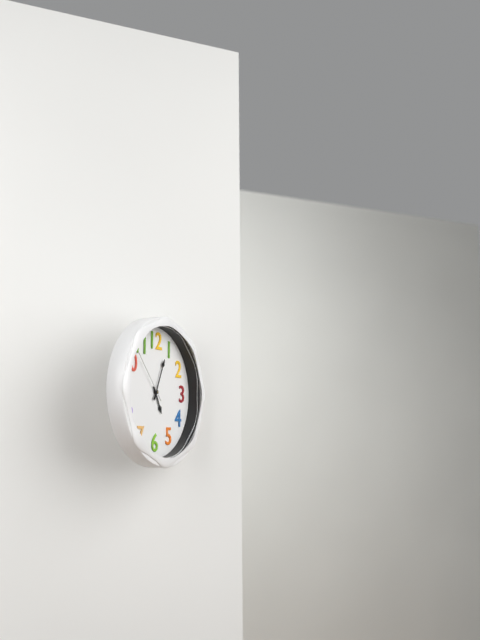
5:04:53
